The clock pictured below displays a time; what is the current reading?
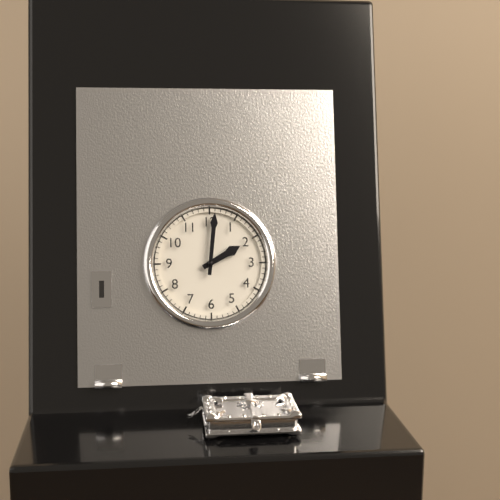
2:01
